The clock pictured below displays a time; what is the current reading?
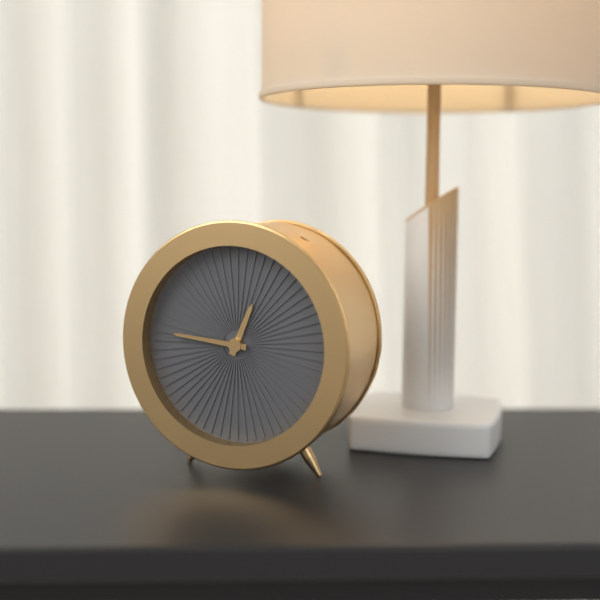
12:46
